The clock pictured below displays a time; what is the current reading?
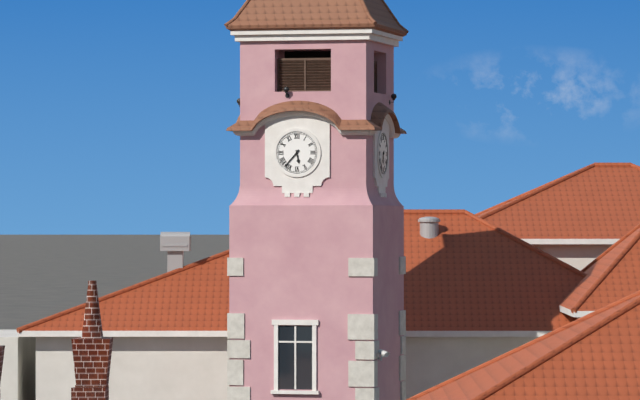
5:37
